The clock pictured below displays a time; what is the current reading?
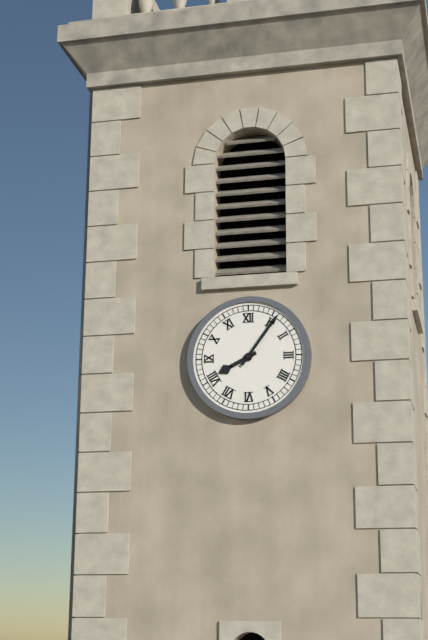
8:06
